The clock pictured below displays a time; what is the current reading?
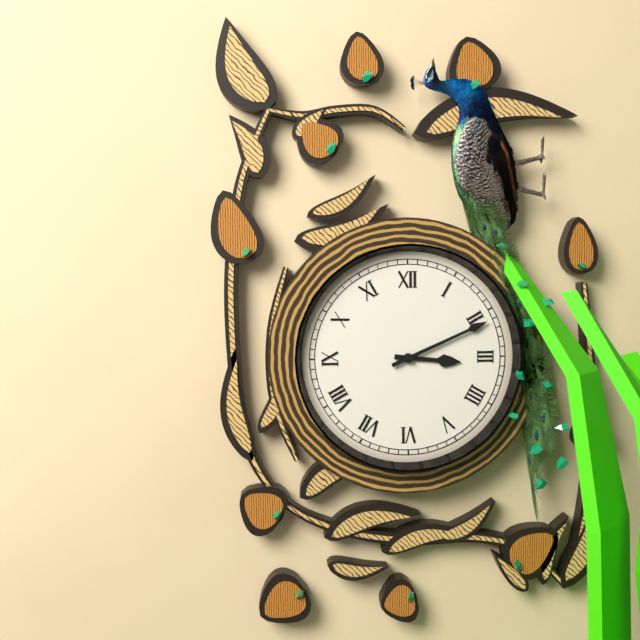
3:11
